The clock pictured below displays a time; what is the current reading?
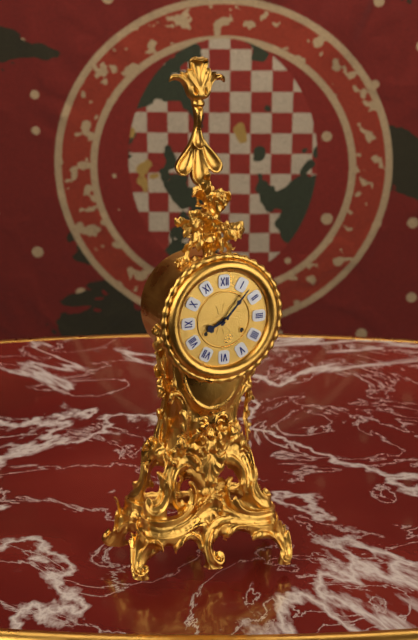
8:07
